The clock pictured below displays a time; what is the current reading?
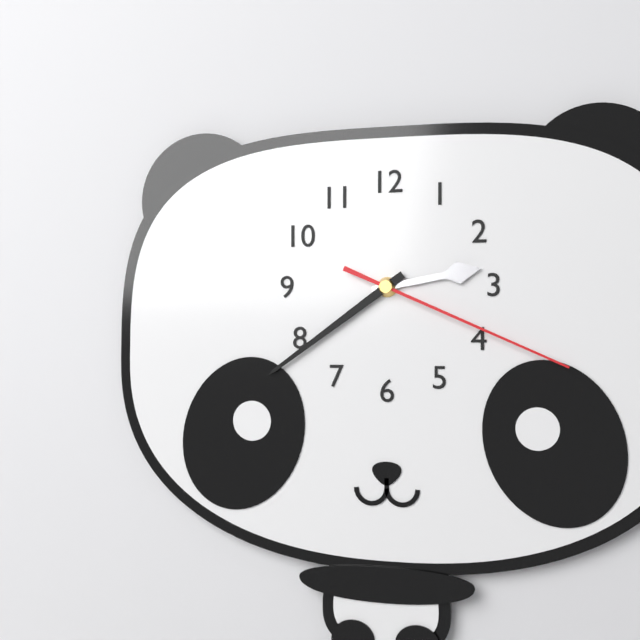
2:39:19
